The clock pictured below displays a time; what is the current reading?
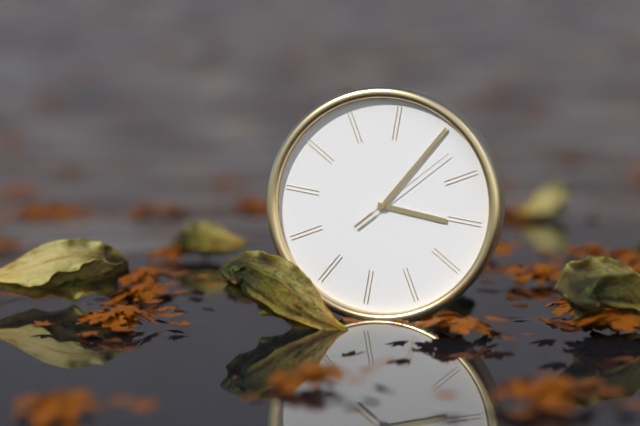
3:05:07
